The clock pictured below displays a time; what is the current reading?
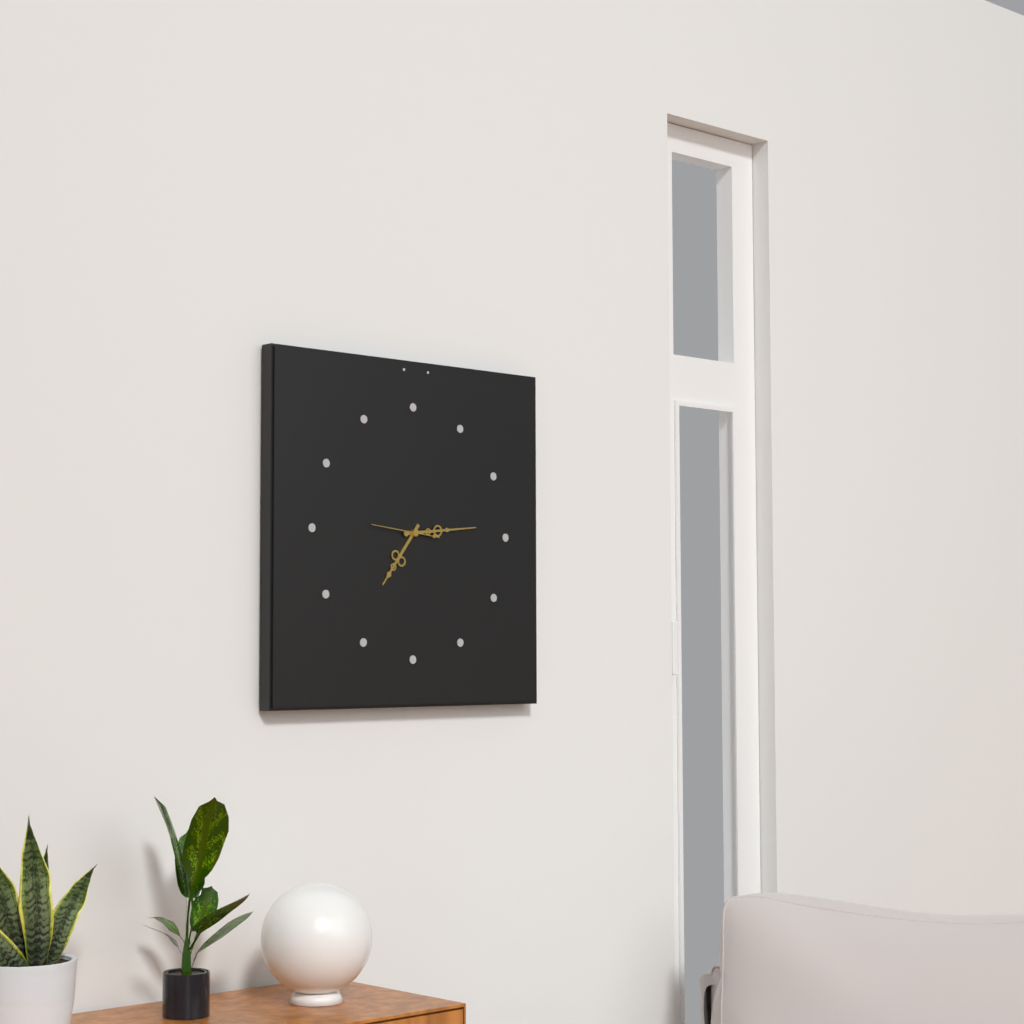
7:14:46
